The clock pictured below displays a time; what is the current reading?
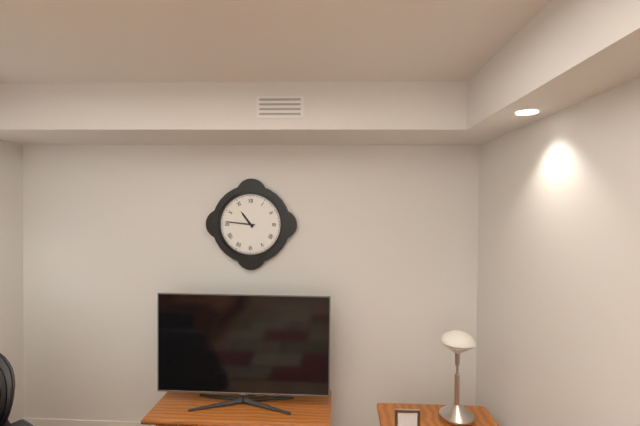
10:46
